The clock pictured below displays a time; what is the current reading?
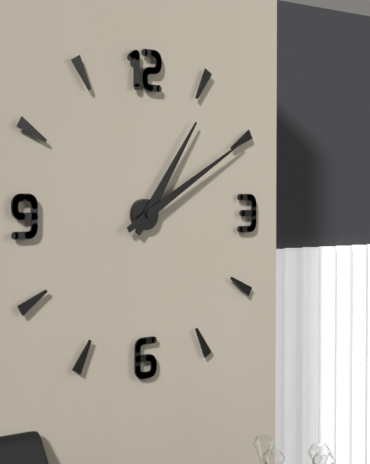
1:10
